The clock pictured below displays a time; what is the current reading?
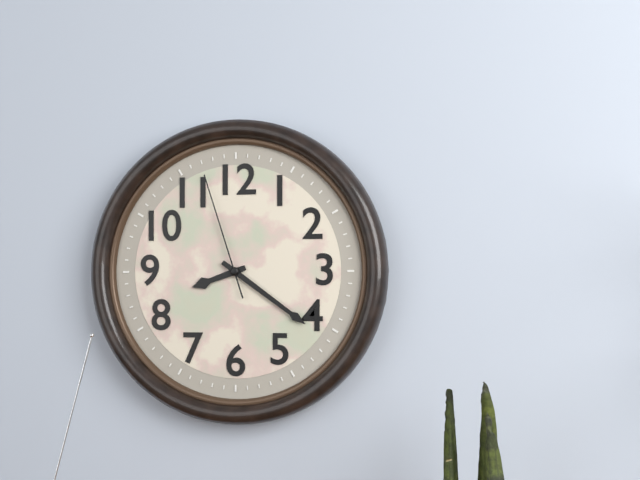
8:21:57
